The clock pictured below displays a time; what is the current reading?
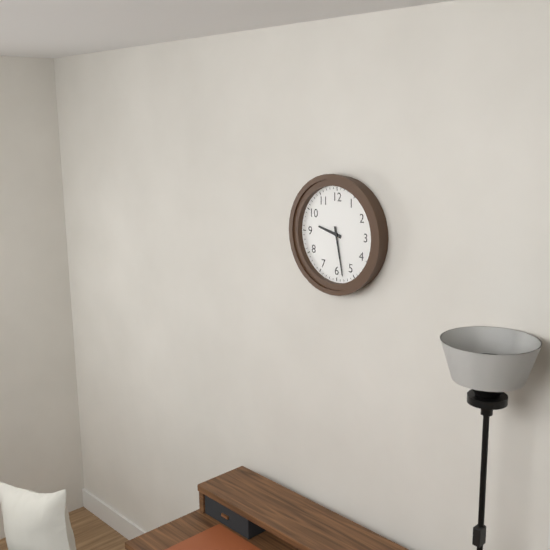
9:28
